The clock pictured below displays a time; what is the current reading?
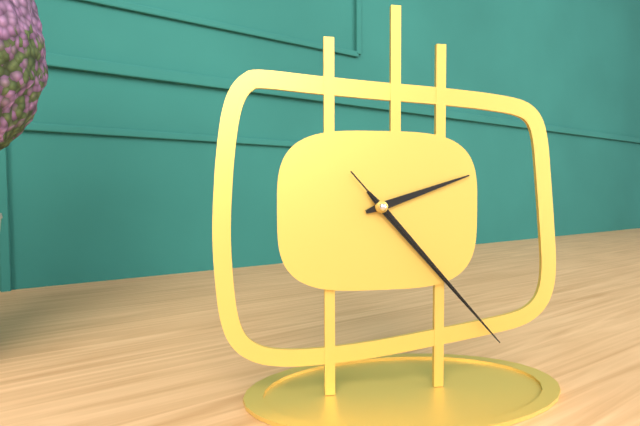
2:23:23
